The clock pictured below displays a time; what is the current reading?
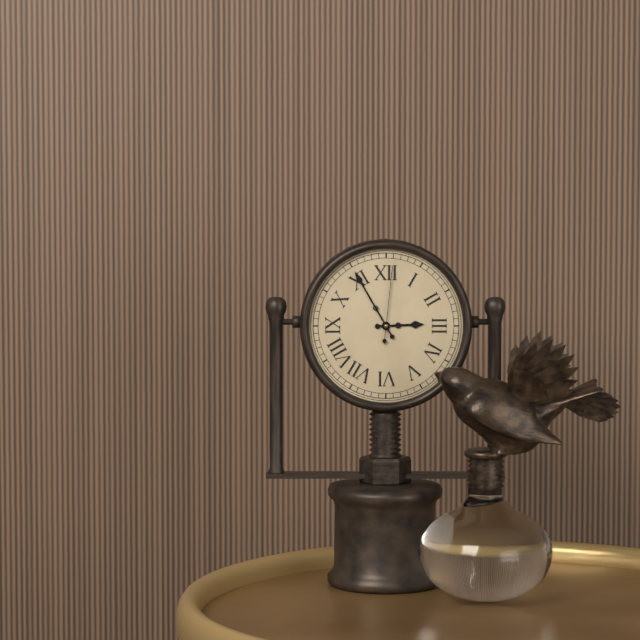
2:55:01
